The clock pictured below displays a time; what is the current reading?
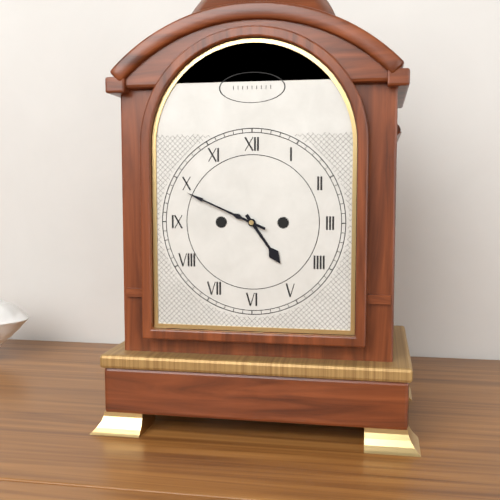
4:49
